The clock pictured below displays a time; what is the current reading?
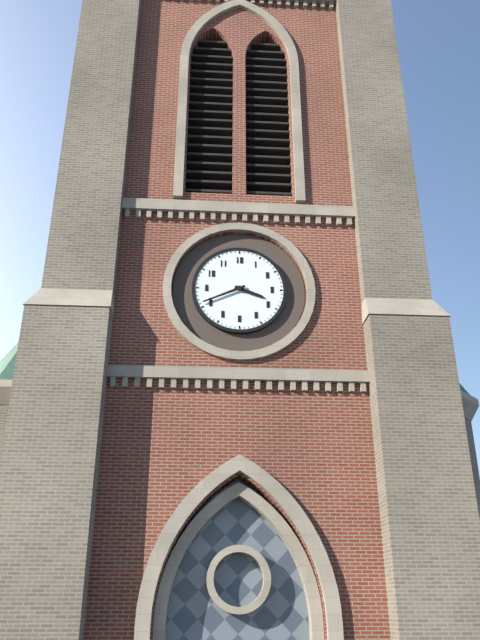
3:41
